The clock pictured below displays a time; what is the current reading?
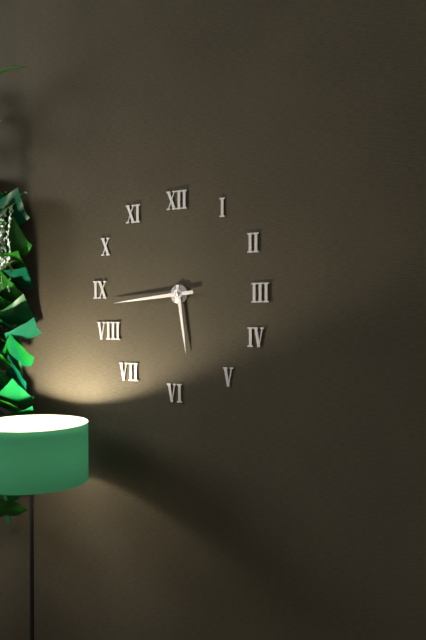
5:44
